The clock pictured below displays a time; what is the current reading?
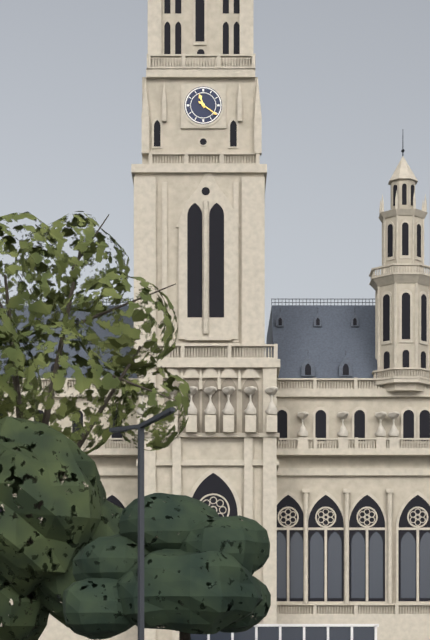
11:21
